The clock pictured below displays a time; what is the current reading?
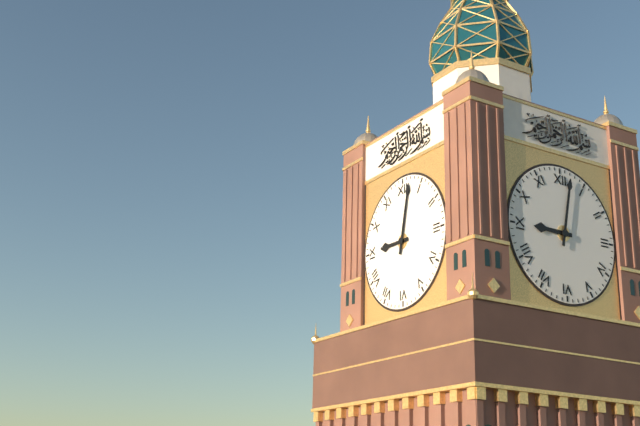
9:02
